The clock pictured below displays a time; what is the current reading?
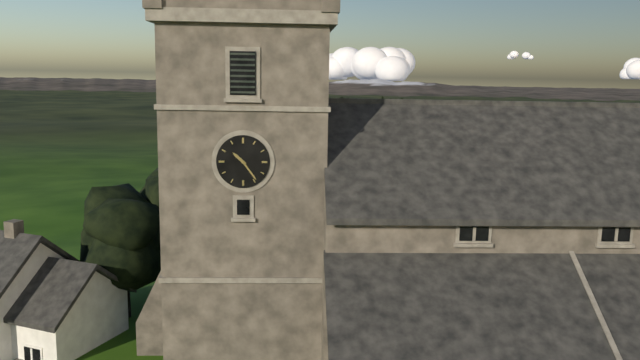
10:24
